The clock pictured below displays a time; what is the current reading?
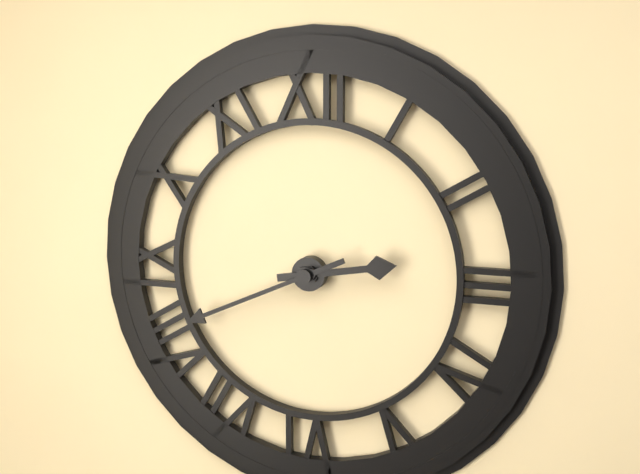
2:41
